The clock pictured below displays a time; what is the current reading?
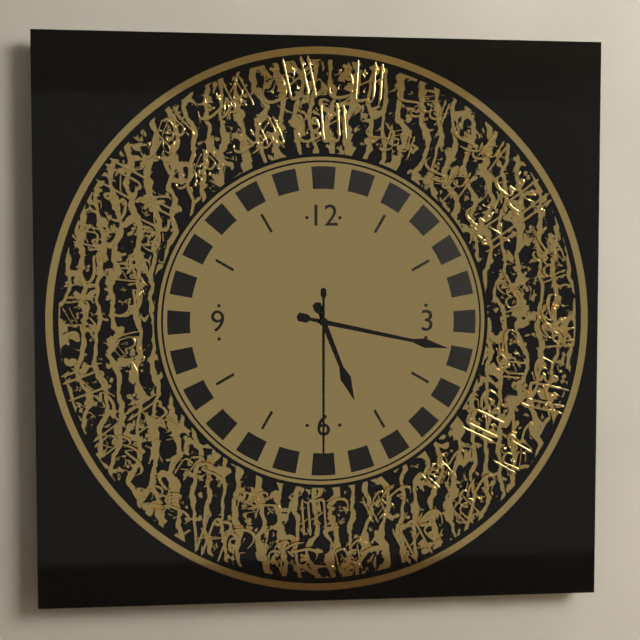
5:17:30
